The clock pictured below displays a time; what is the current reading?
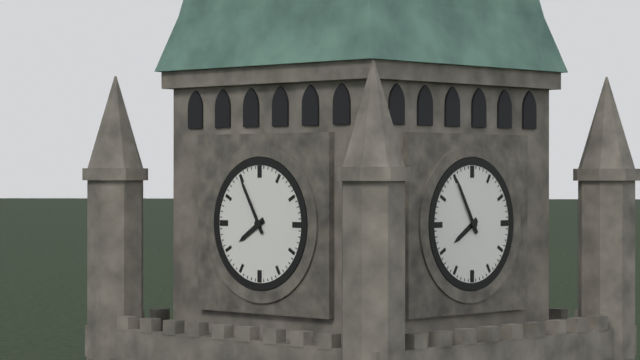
7:55
